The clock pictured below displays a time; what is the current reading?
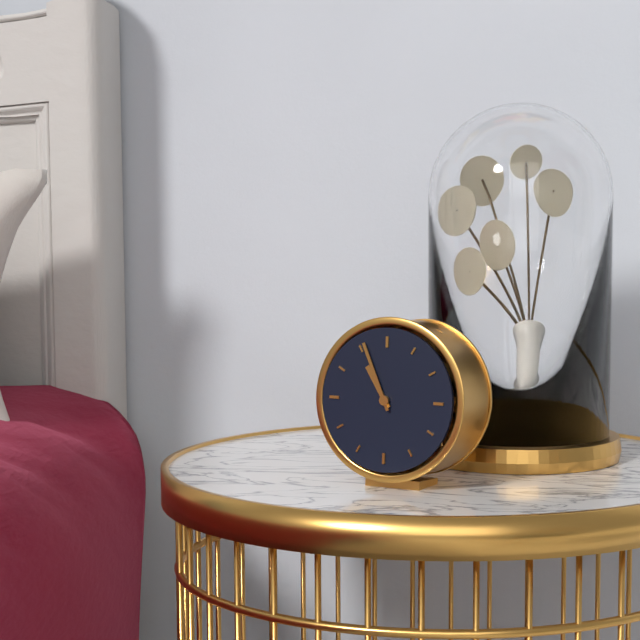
10:56
